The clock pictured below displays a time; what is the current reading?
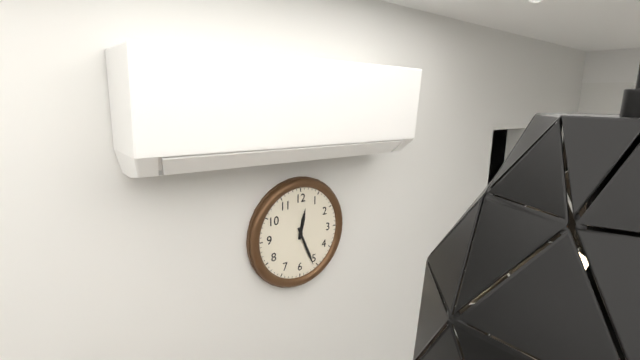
12:26
